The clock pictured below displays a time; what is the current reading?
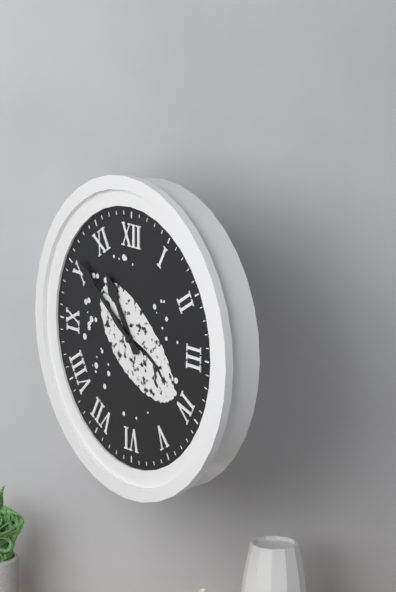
10:51
